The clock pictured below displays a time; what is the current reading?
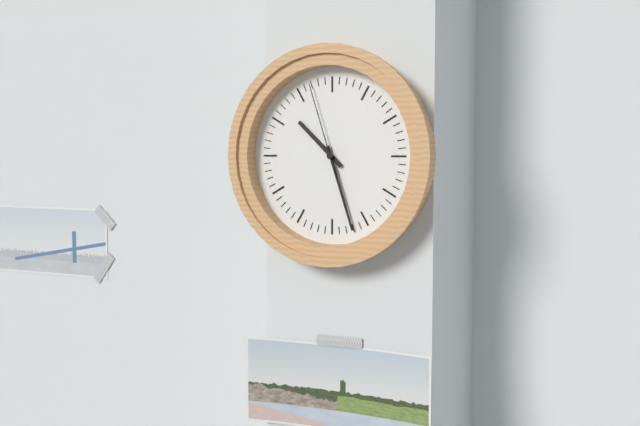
10:27:57
